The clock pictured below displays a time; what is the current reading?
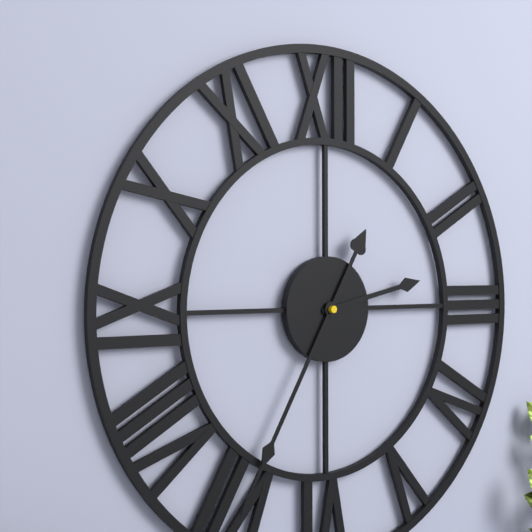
2:35
